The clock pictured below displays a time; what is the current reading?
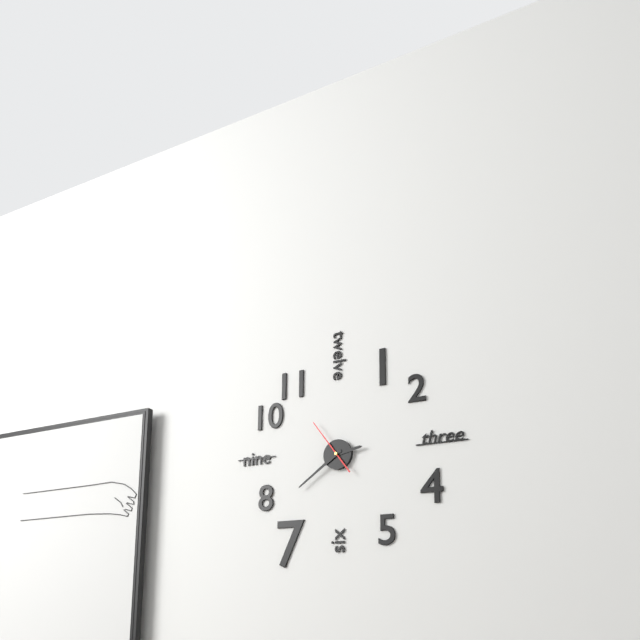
2:39:54
